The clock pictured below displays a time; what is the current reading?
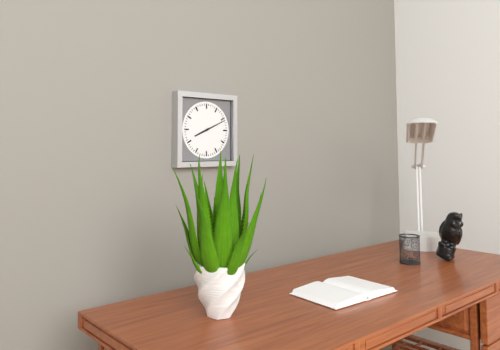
8:11
